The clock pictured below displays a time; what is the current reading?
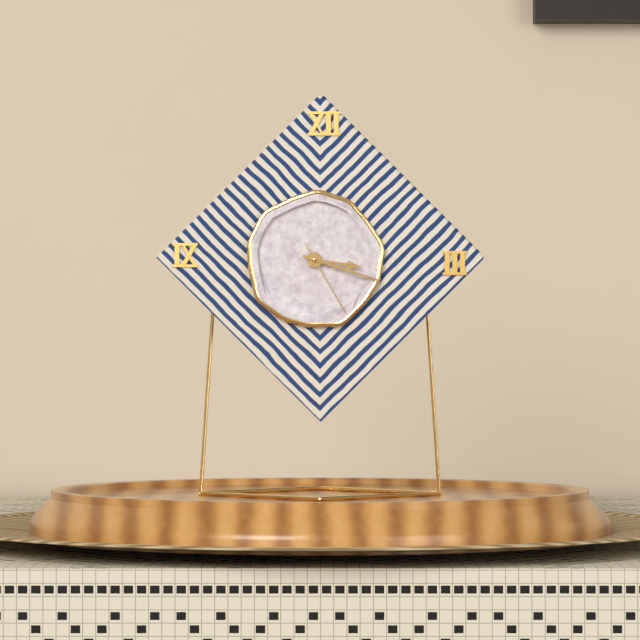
3:18:25
